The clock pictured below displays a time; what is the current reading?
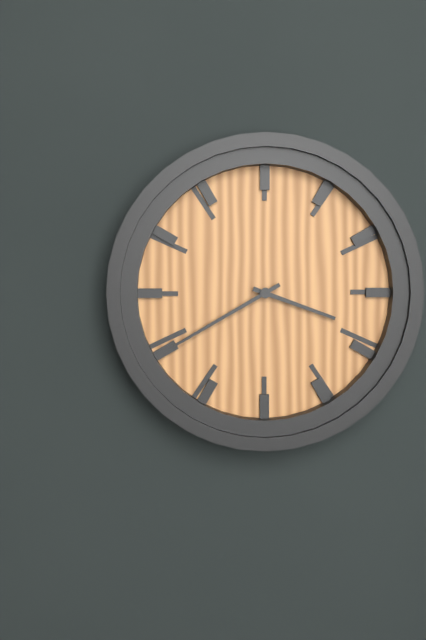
3:40
